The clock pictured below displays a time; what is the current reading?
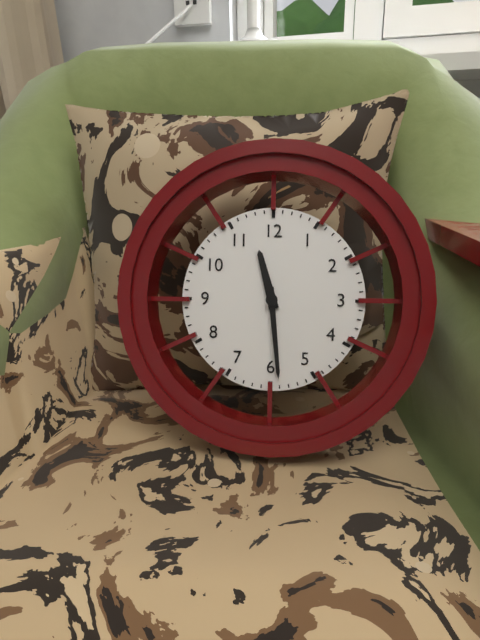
11:29
